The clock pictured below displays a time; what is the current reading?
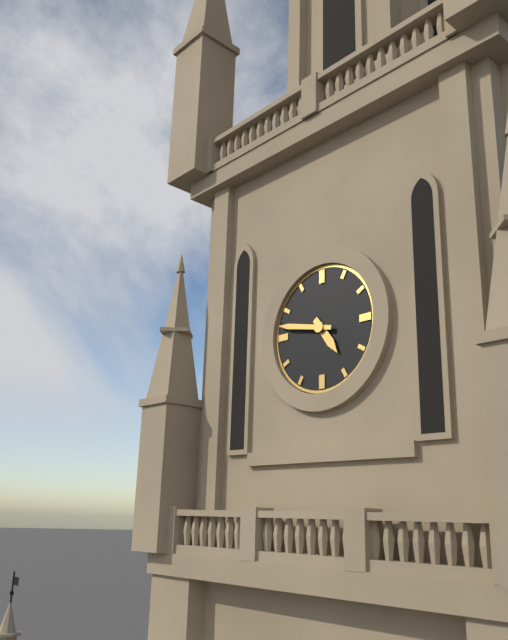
4:47
